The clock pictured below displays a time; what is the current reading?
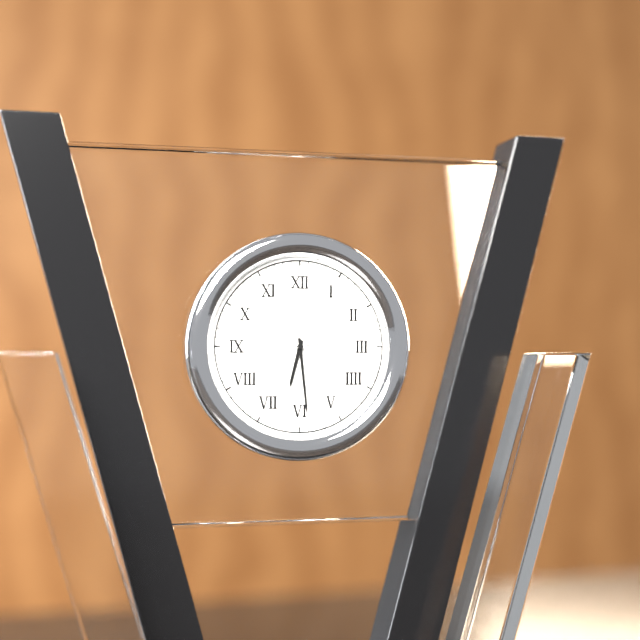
6:29:44
